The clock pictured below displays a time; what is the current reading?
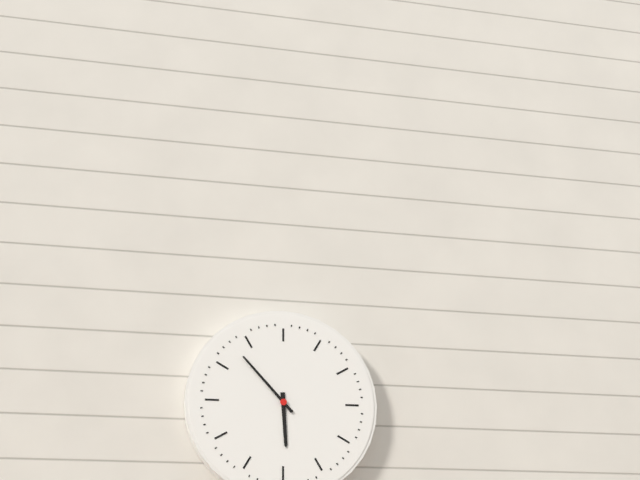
5:53
